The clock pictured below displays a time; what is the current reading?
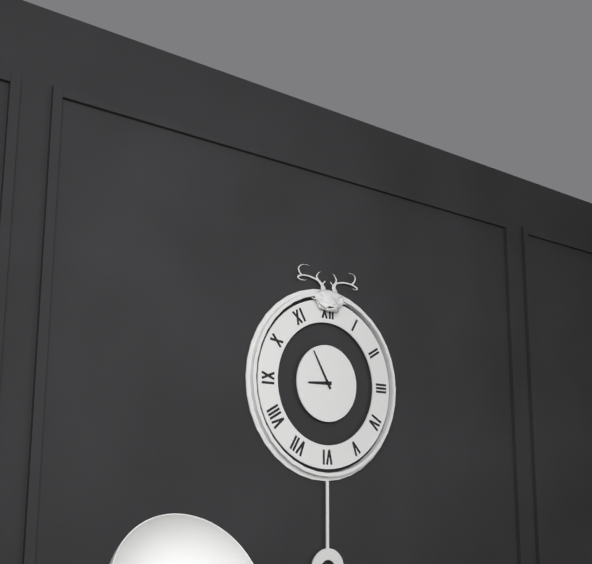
8:55
